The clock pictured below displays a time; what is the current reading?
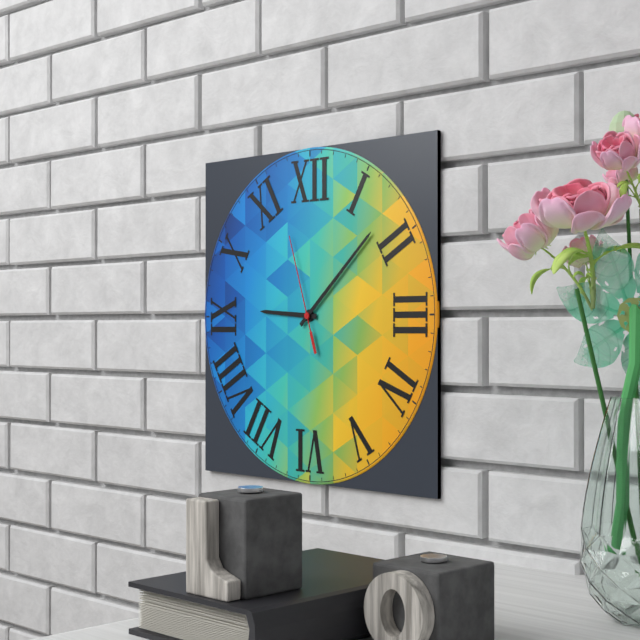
9:08:57
